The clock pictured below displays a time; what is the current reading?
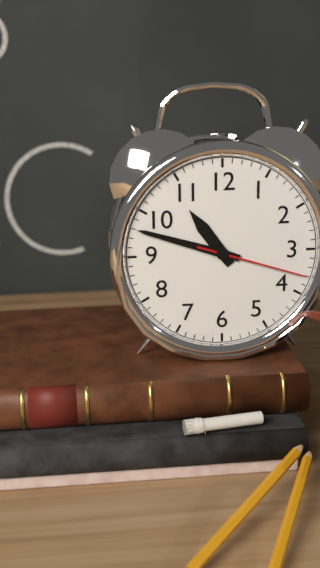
10:48:18
